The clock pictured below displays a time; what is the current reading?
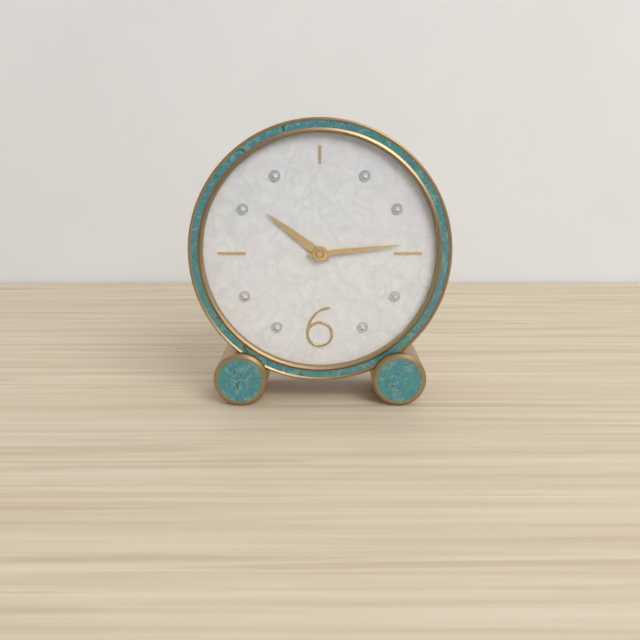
10:14
